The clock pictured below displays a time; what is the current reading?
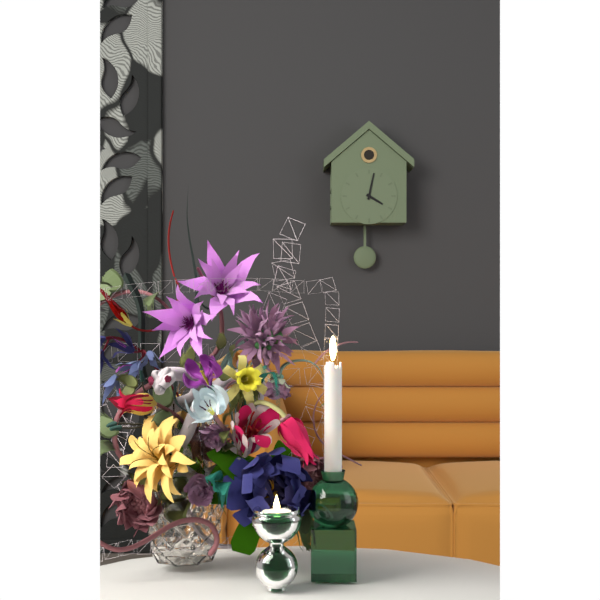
4:02
